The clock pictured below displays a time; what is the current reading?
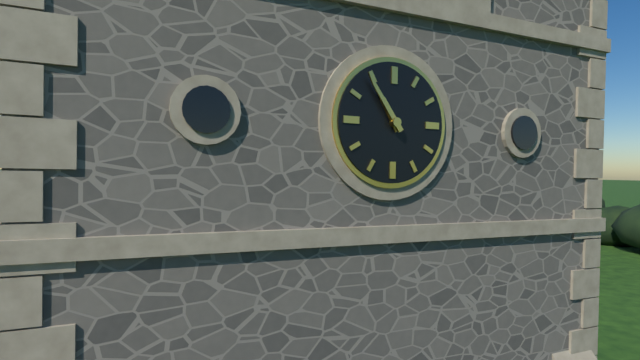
10:54
